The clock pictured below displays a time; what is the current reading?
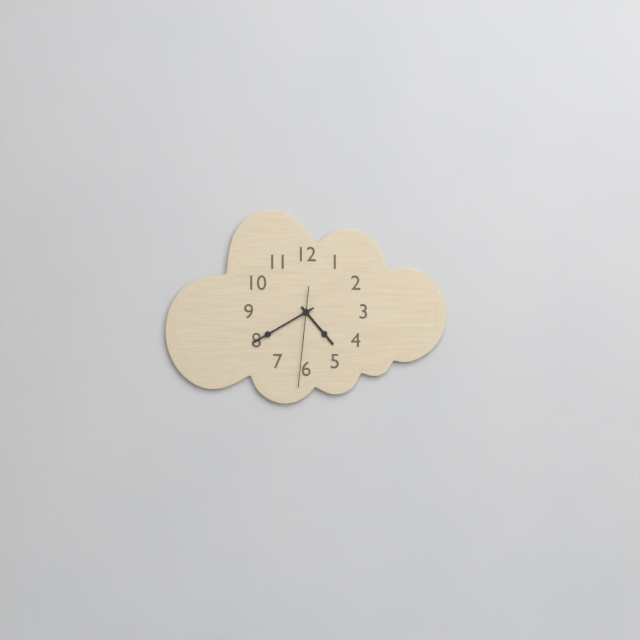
4:40:31
